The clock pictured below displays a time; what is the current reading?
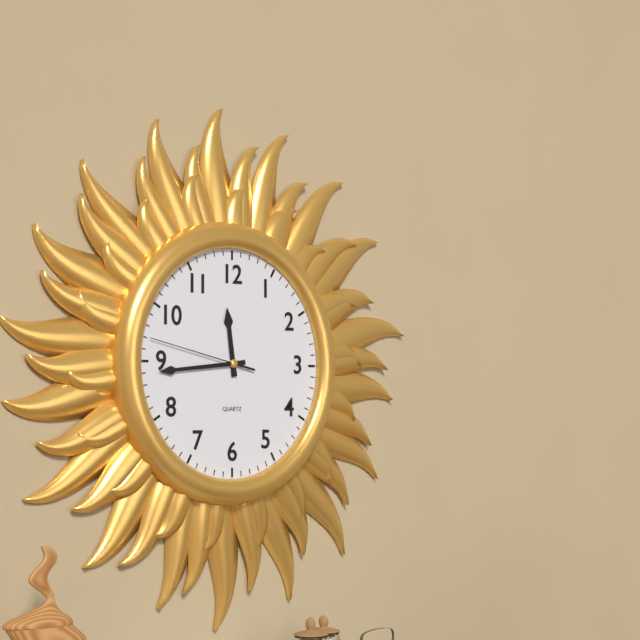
11:44:47
